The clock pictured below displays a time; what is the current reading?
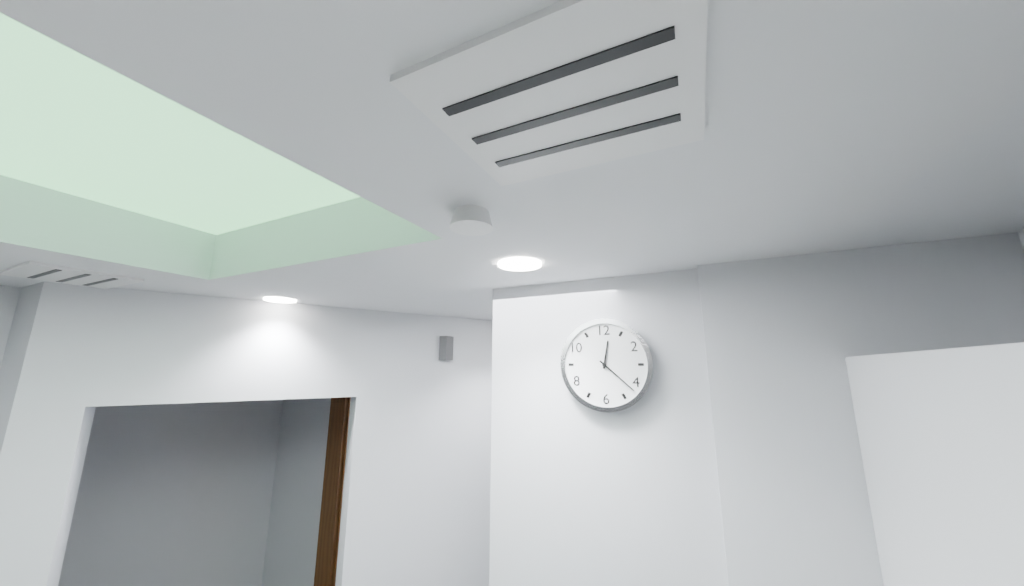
12:22
